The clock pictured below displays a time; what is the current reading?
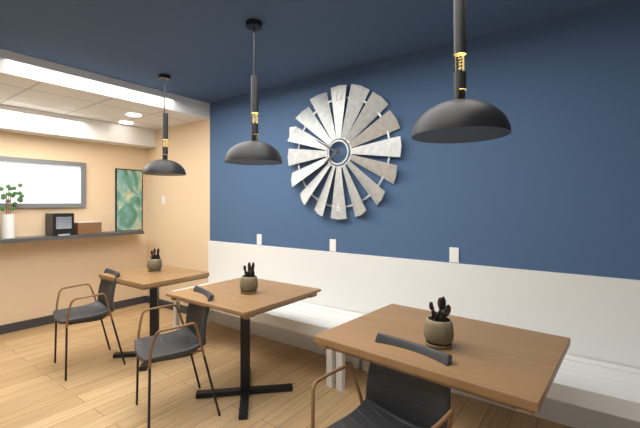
7:50
